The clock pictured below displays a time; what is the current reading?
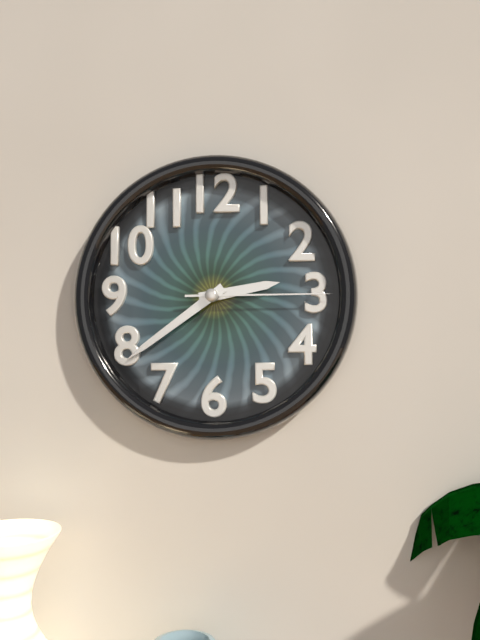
2:39:15
